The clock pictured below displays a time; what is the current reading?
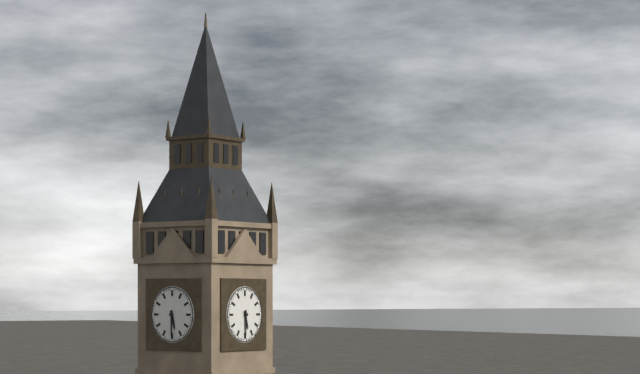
5:30
